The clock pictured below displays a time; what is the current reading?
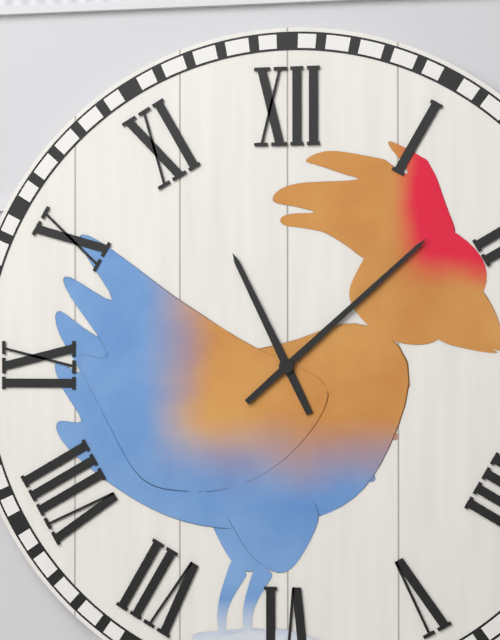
11:08
